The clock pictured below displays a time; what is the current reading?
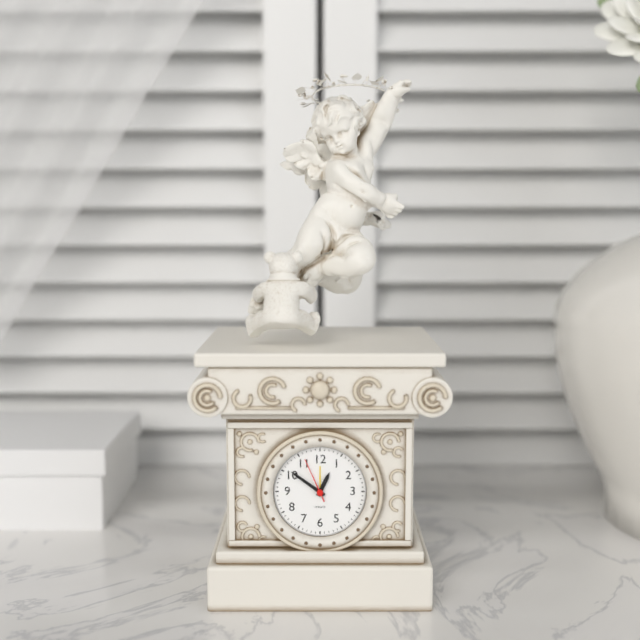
12:51
